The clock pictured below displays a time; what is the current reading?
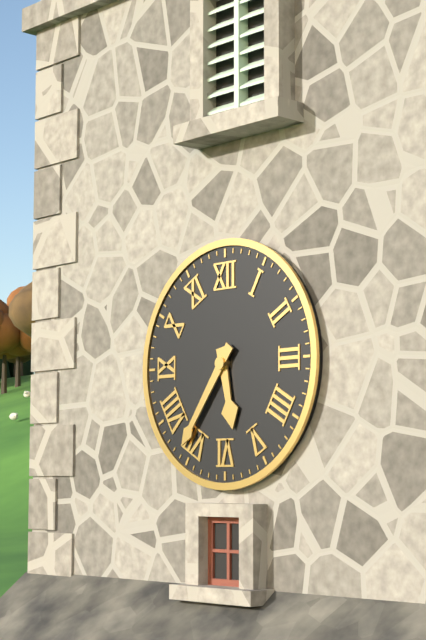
5:36
